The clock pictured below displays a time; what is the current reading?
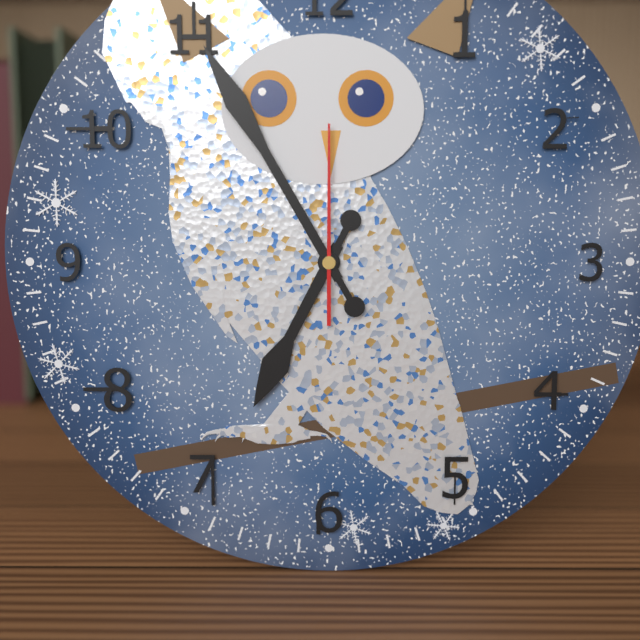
6:55:00
